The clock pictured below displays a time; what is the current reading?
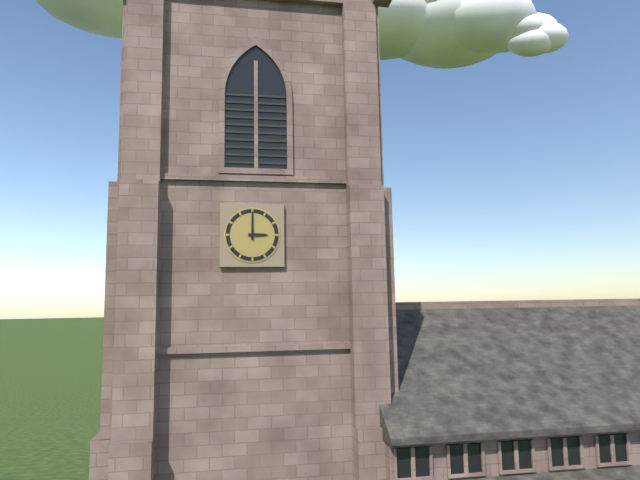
3:00
